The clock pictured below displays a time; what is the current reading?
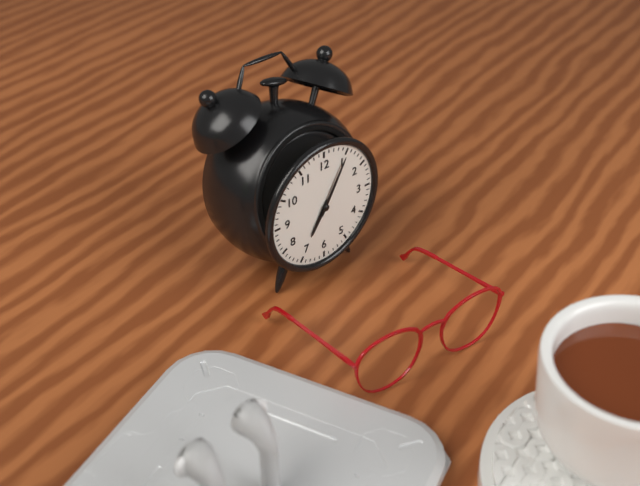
7:05
